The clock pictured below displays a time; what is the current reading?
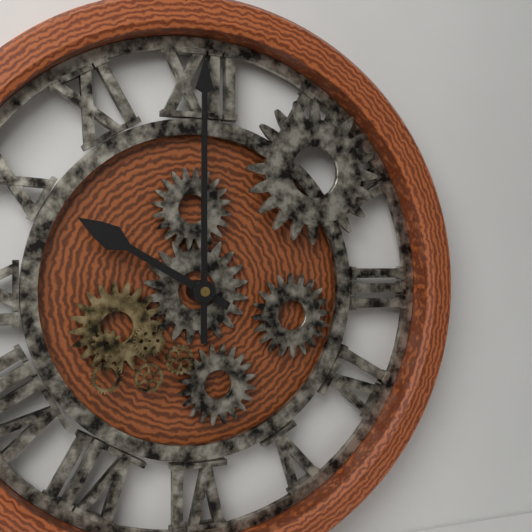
10:00
